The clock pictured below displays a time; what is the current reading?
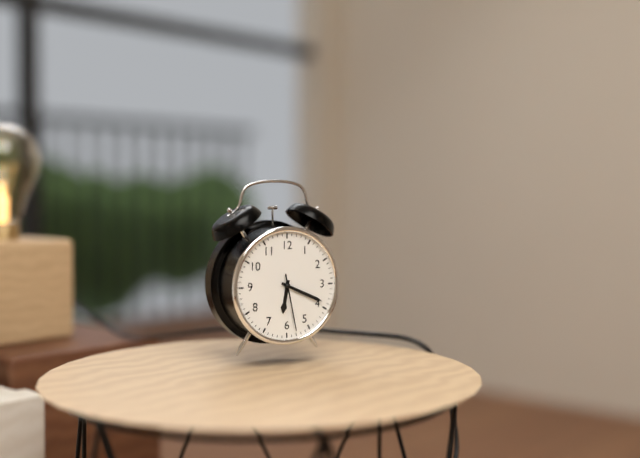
6:19:28
